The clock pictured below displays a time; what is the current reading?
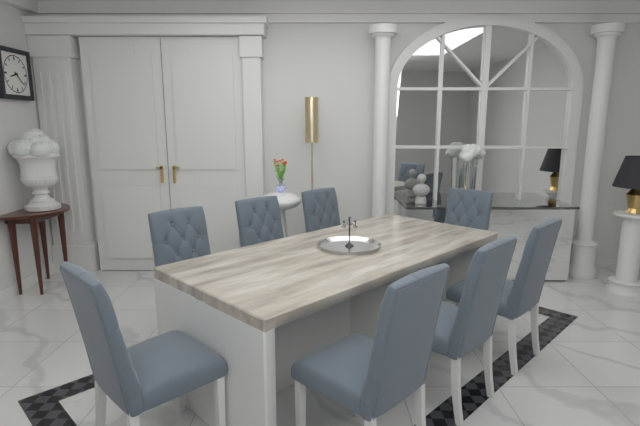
8:22
